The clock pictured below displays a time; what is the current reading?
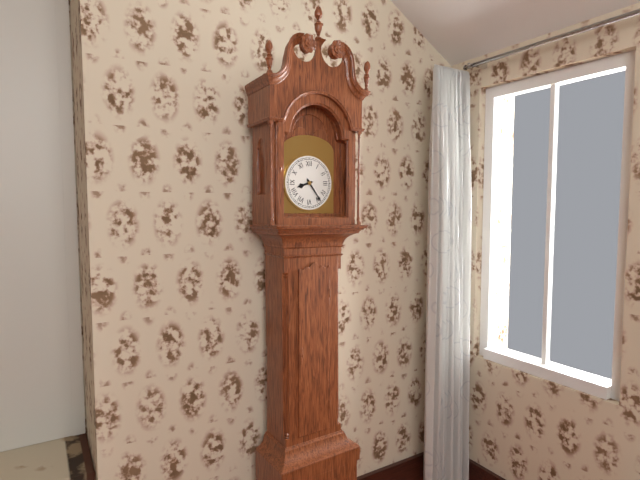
8:24
